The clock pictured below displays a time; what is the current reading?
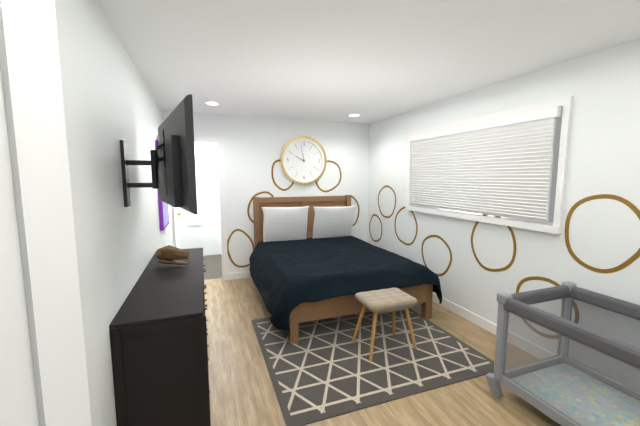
9:58
